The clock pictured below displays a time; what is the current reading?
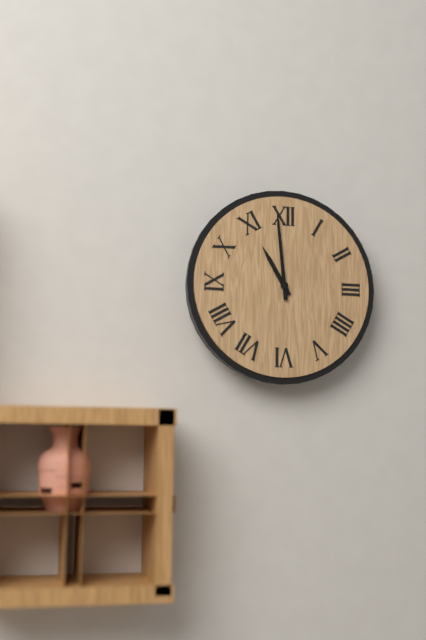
10:59
